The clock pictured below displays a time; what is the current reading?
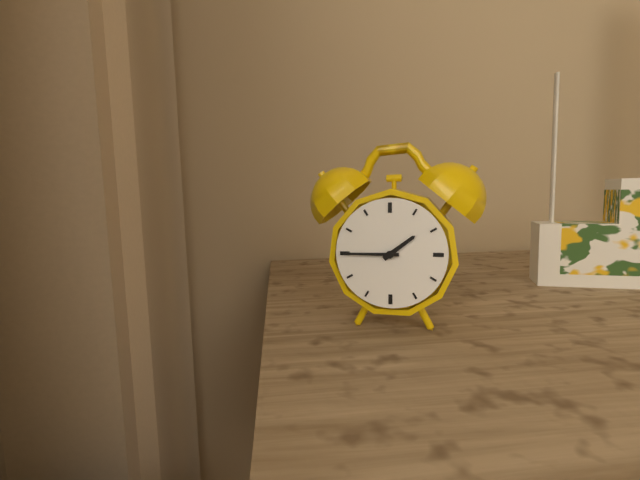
1:45
